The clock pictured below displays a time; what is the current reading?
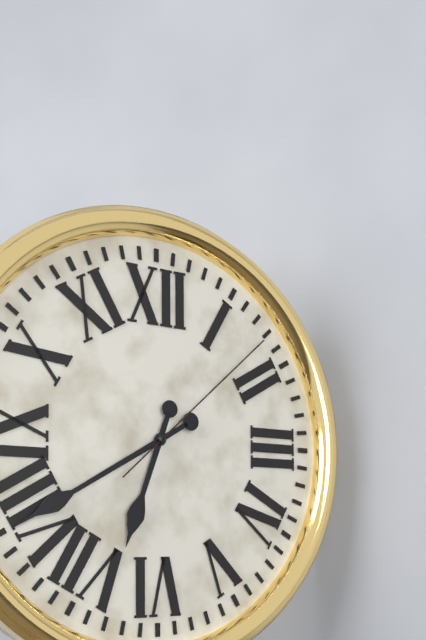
6:40:08
